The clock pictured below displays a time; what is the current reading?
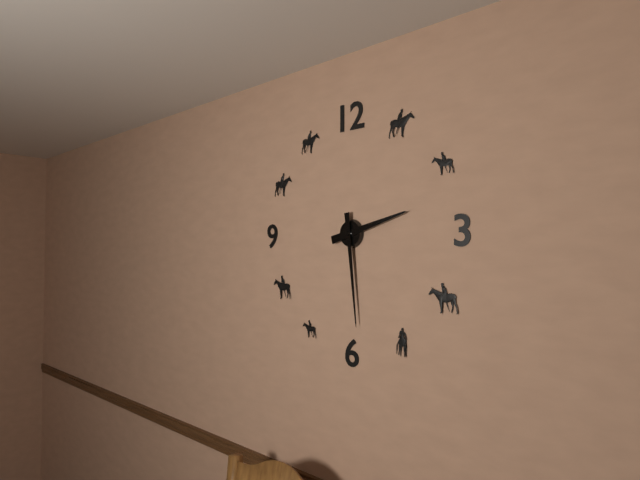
2:29
